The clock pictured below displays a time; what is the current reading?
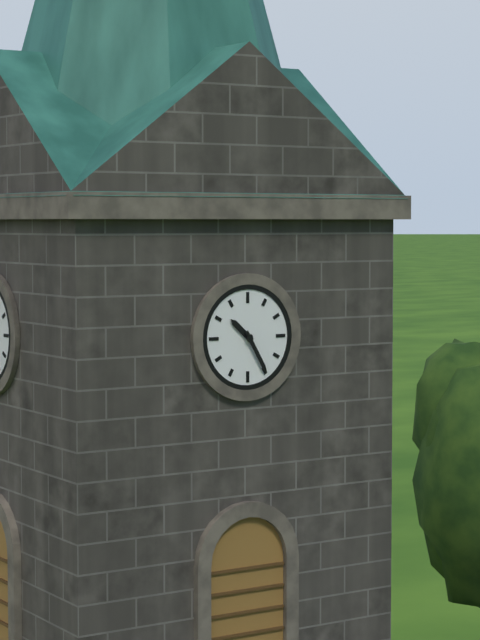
10:25
